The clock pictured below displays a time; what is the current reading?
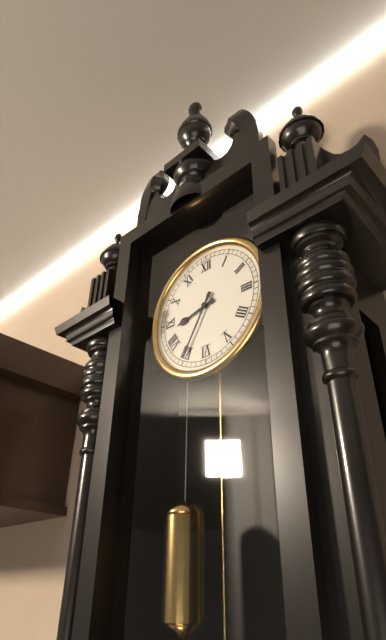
8:35
